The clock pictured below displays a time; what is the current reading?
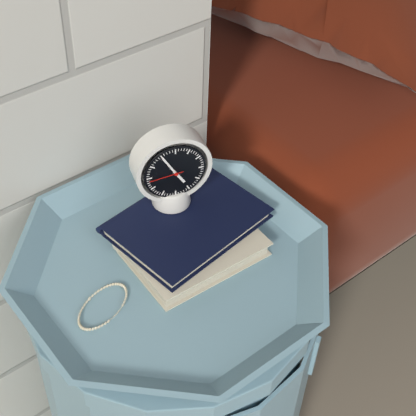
4:55
